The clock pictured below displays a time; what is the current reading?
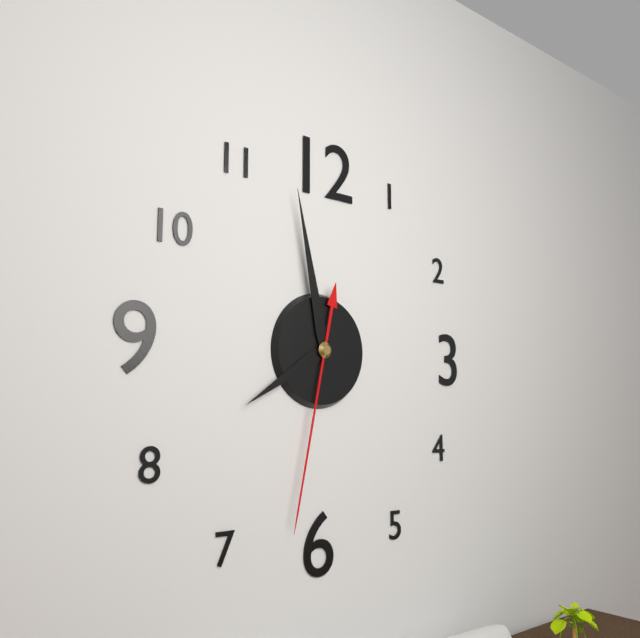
7:58:32
